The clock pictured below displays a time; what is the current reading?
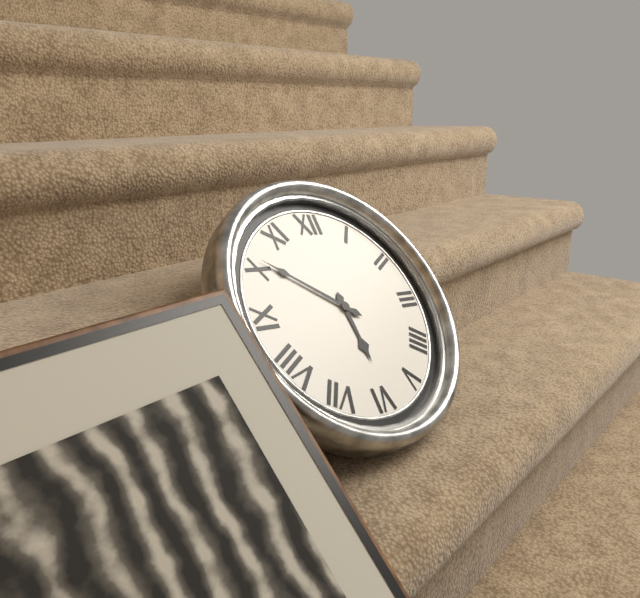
5:51
